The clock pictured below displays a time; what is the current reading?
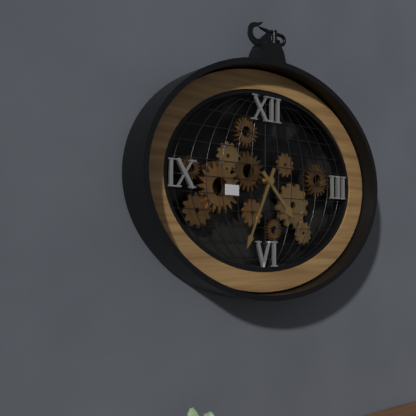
4:34
